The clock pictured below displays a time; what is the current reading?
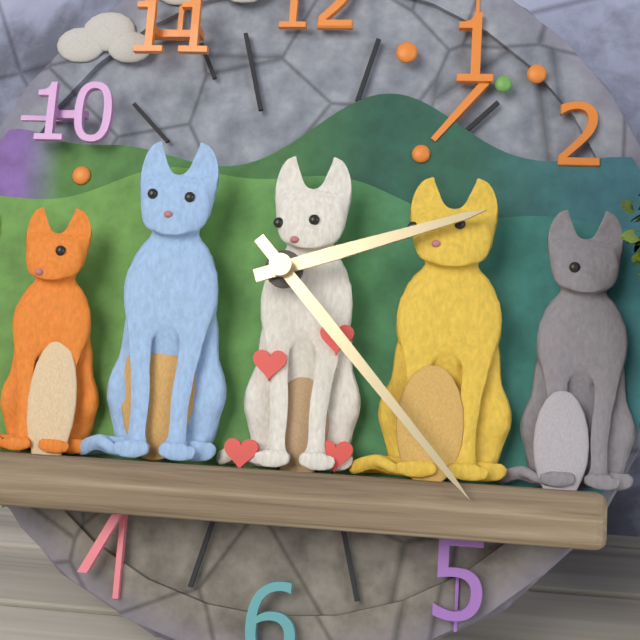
2:23
